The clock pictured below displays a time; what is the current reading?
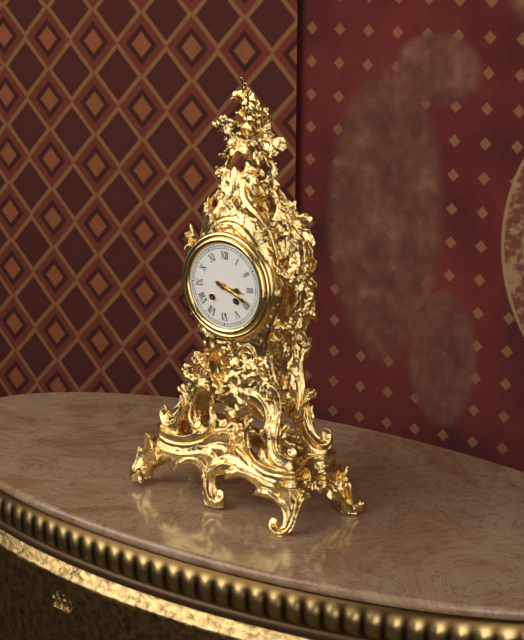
3:19
